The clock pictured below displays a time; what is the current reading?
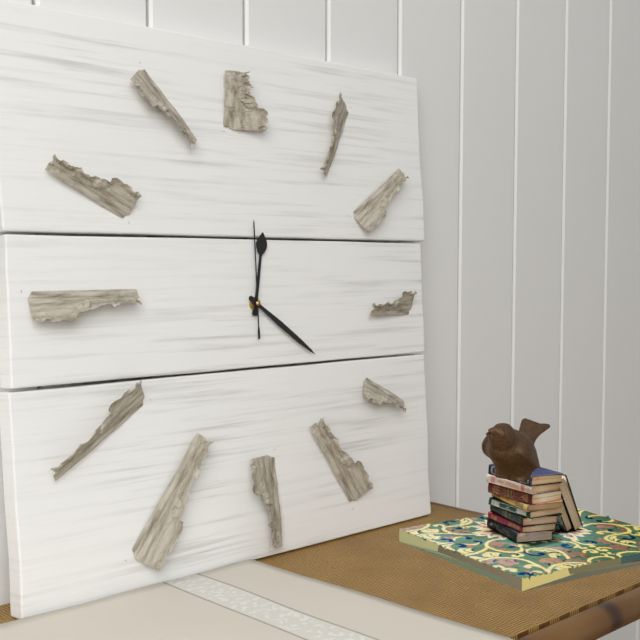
12:21:00
